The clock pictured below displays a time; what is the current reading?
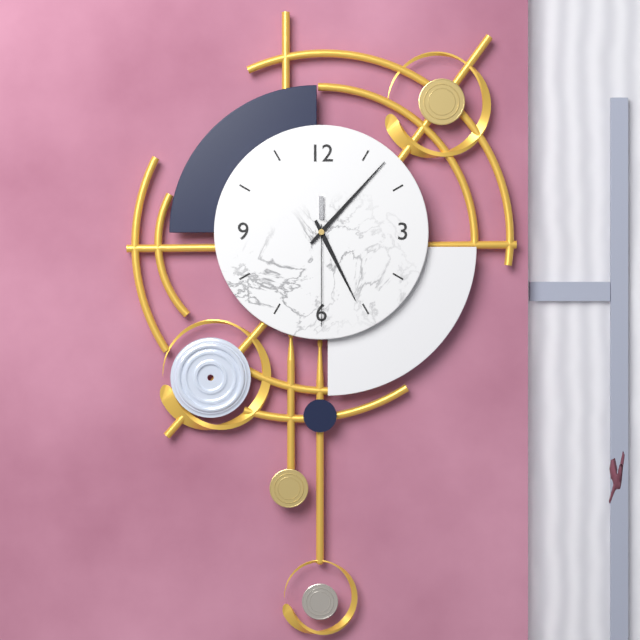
5:07:30
